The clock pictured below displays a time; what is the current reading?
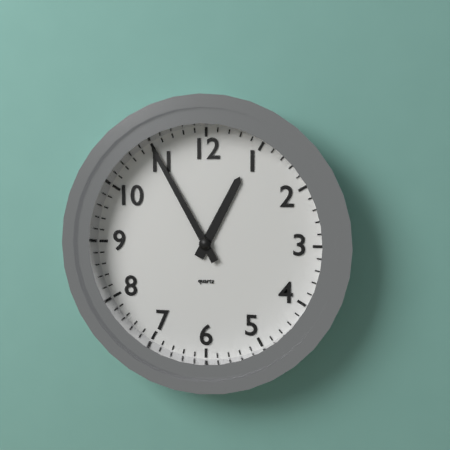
12:55
